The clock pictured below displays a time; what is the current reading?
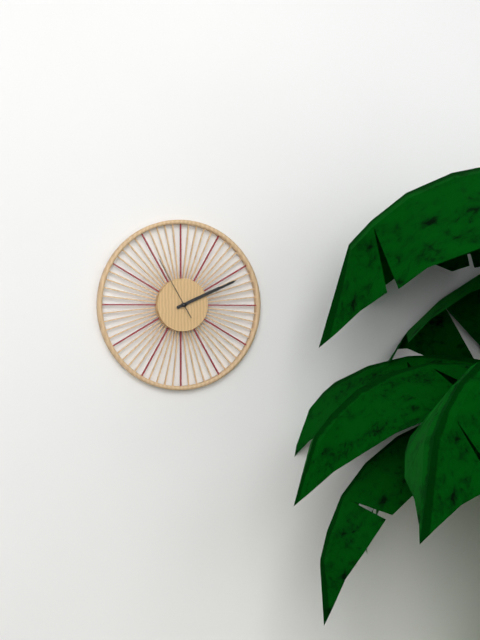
2:11:55
